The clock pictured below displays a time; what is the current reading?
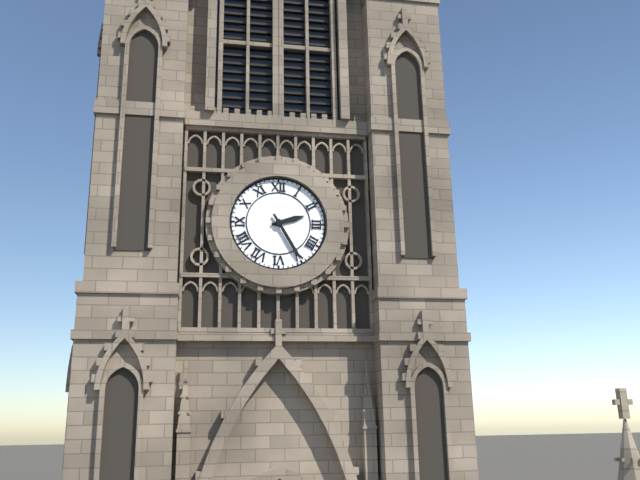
2:25
